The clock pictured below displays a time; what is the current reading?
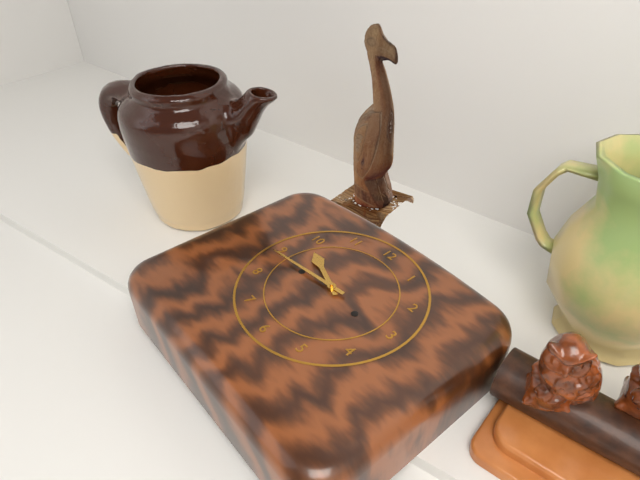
9:44
